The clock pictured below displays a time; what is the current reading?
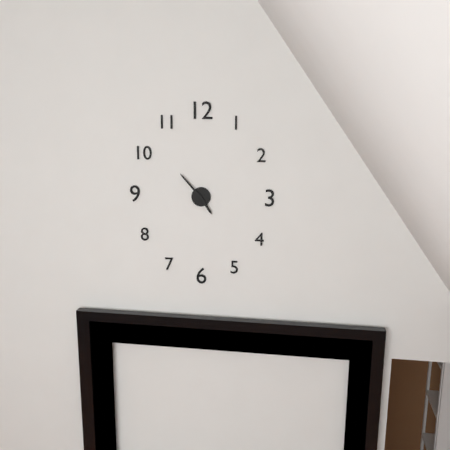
4:53
